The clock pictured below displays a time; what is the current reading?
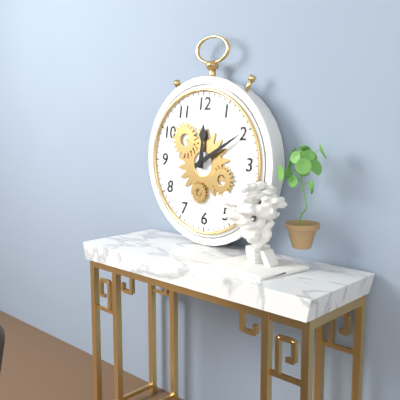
12:10
